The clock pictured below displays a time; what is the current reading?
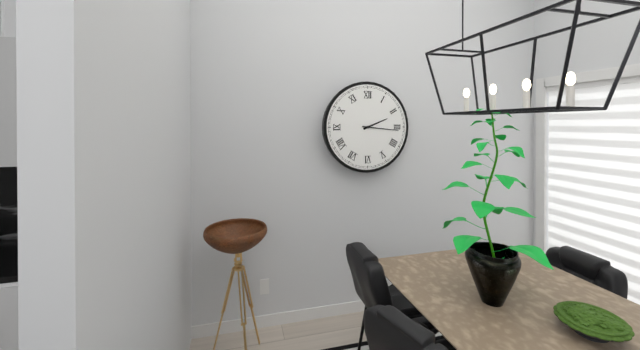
2:16
